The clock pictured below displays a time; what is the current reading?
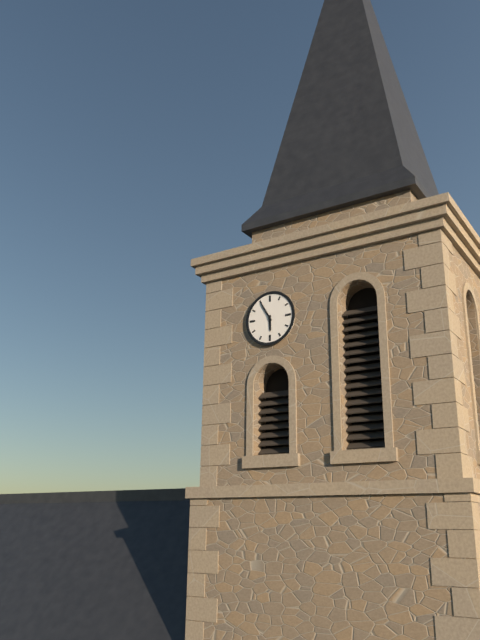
5:55
